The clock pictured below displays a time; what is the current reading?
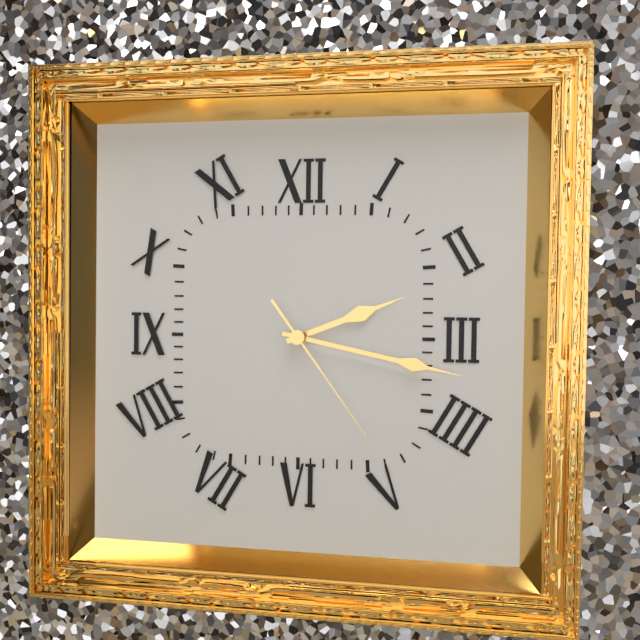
2:17:24
